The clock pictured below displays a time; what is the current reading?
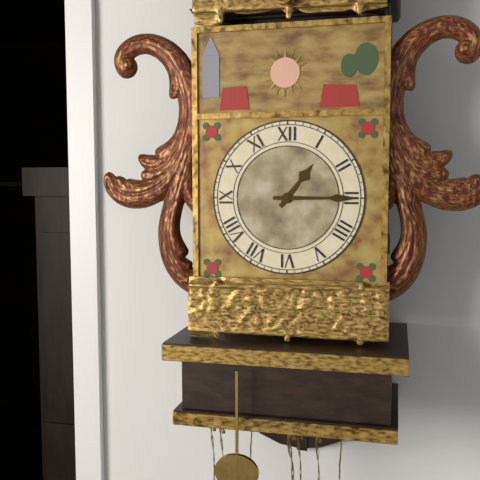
1:15
